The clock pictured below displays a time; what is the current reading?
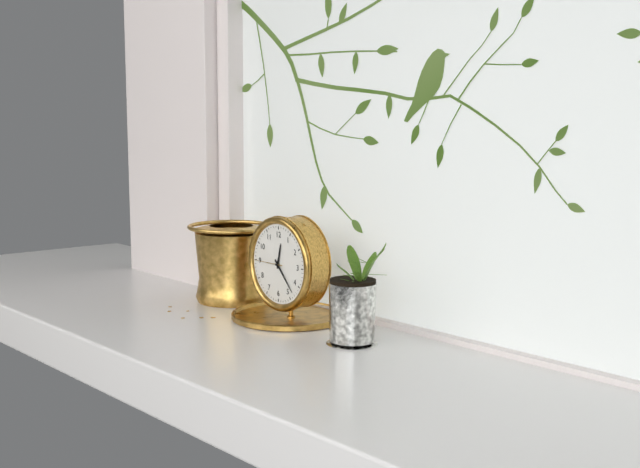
12:23
